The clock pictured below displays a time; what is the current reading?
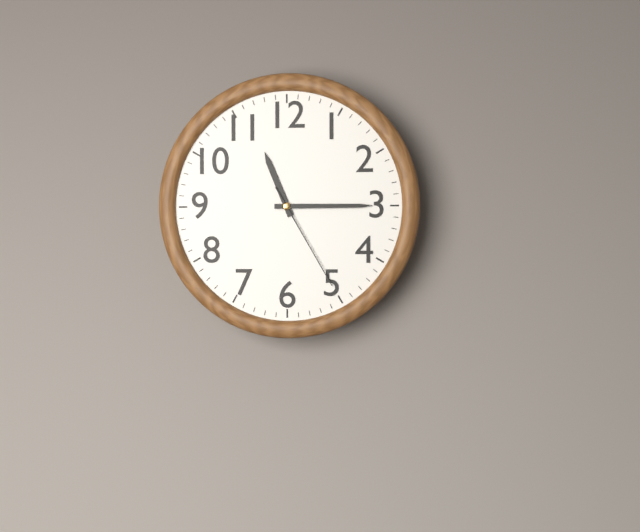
11:15:25
